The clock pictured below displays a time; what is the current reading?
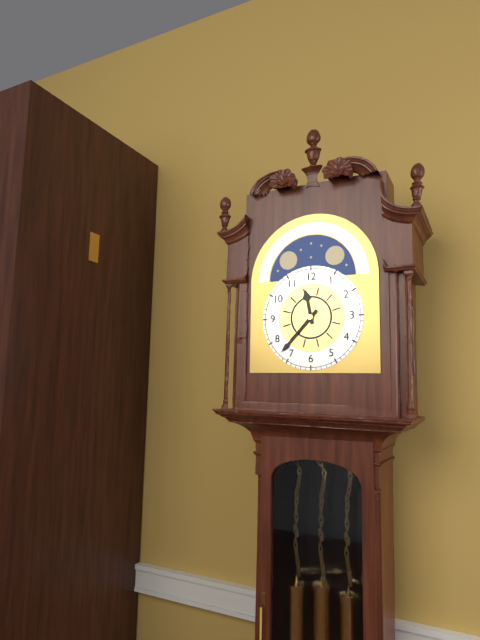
11:37
